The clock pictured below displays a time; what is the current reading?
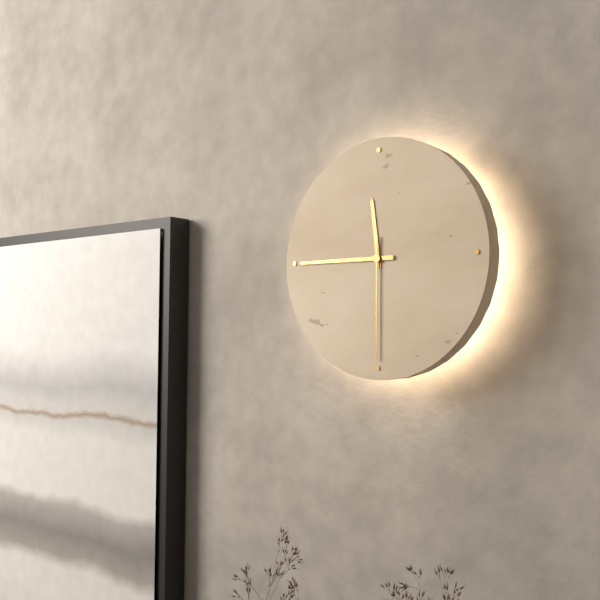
11:45:30
